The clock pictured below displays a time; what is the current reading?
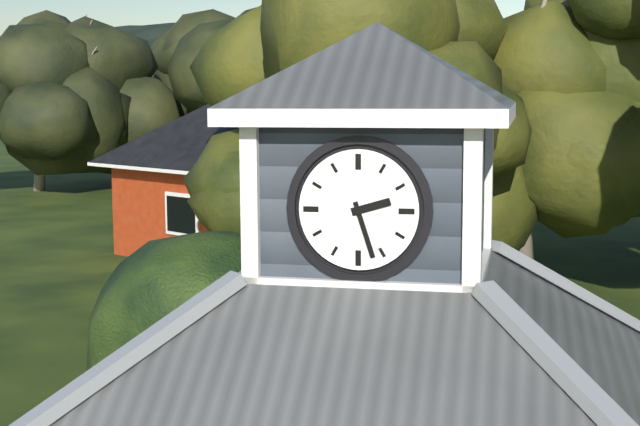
2:27
